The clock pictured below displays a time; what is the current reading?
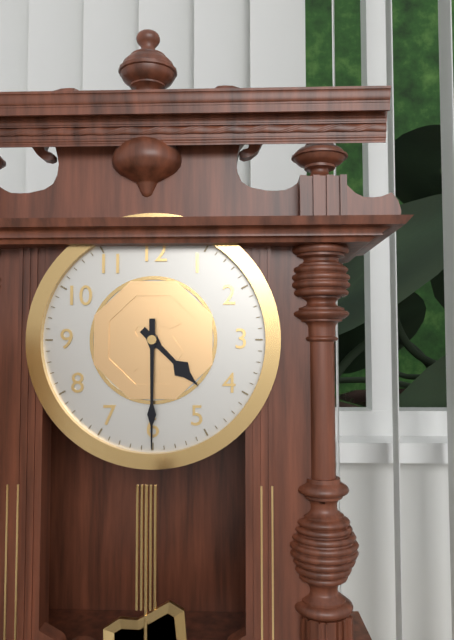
4:30
